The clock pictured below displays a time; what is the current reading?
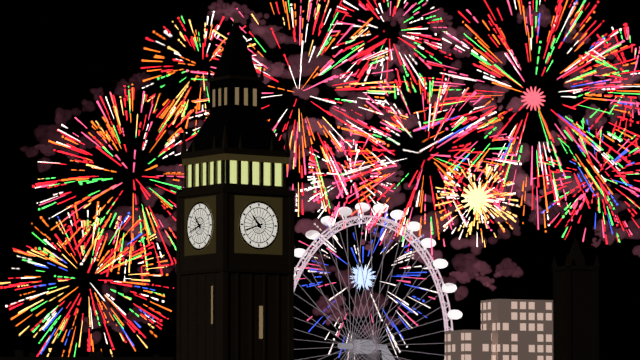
10:42
